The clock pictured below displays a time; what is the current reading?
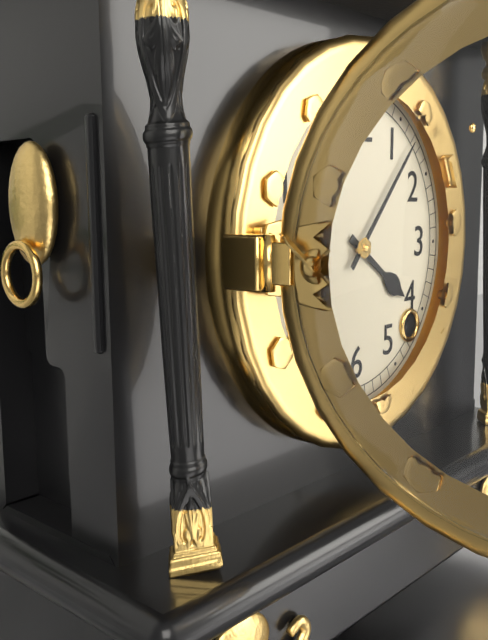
4:07
